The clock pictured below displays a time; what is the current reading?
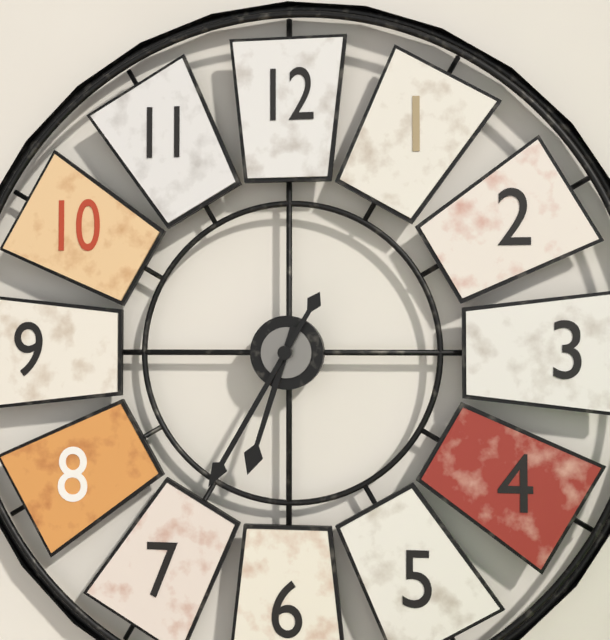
6:35
